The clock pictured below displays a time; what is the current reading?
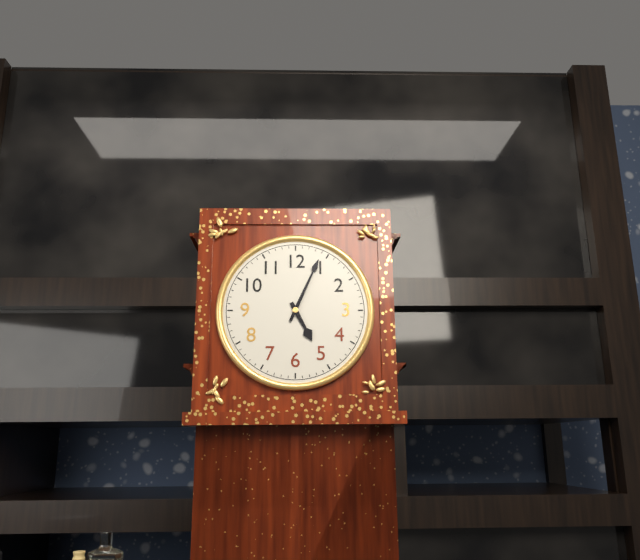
5:04
